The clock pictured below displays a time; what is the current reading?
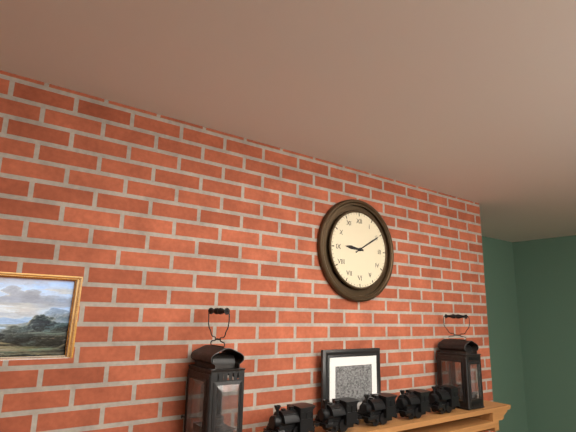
9:10
